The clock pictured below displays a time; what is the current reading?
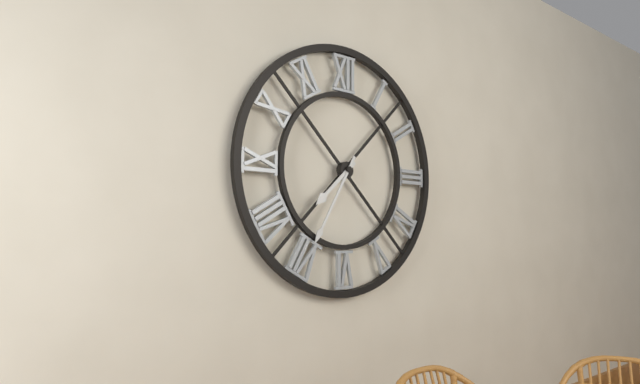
7:35
